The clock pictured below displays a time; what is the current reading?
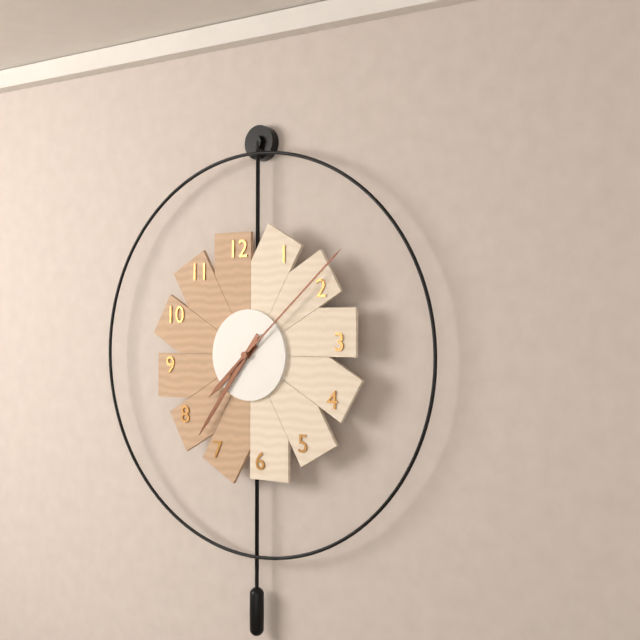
7:36:08
